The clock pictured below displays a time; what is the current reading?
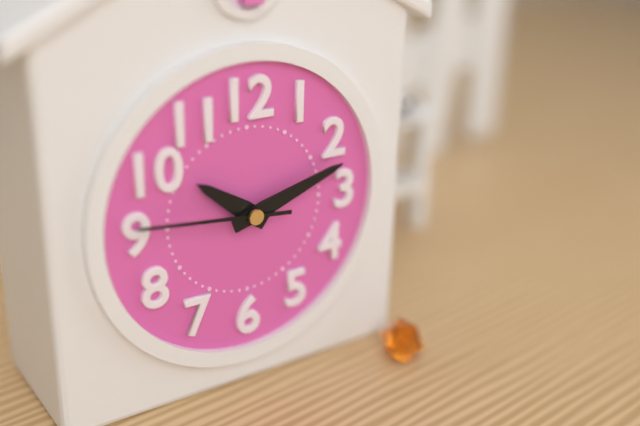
10:12:46
